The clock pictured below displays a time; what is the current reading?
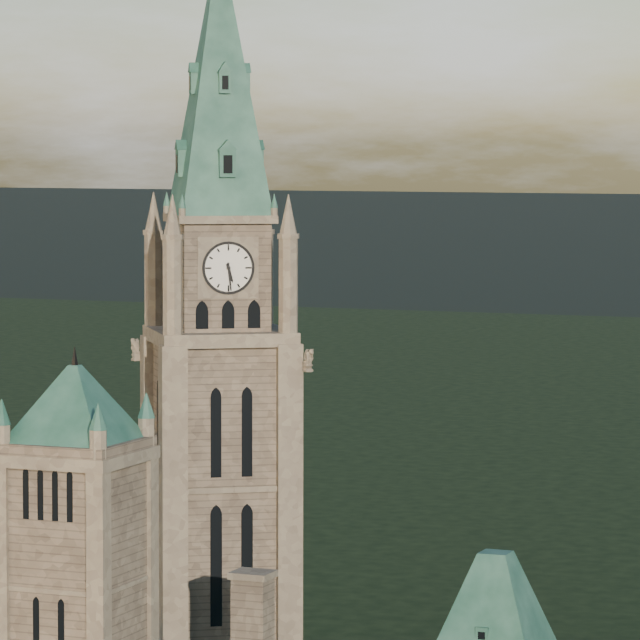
5:29
